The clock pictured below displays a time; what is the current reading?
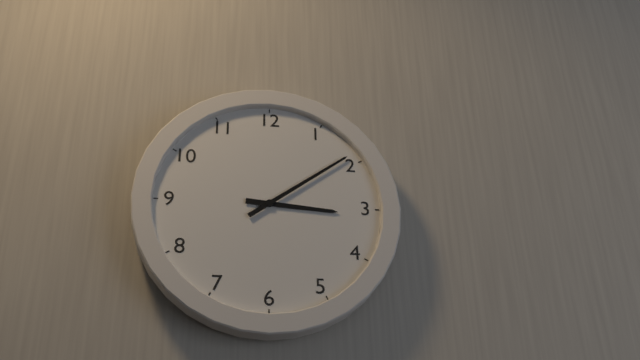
3:09
